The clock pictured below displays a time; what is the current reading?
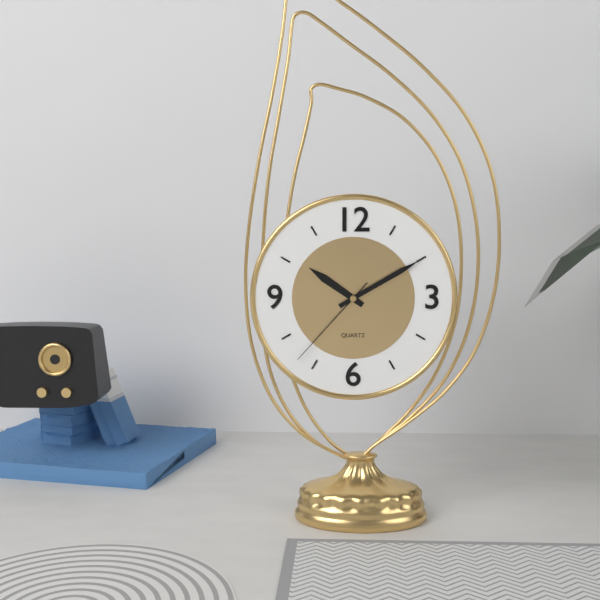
10:10:37
